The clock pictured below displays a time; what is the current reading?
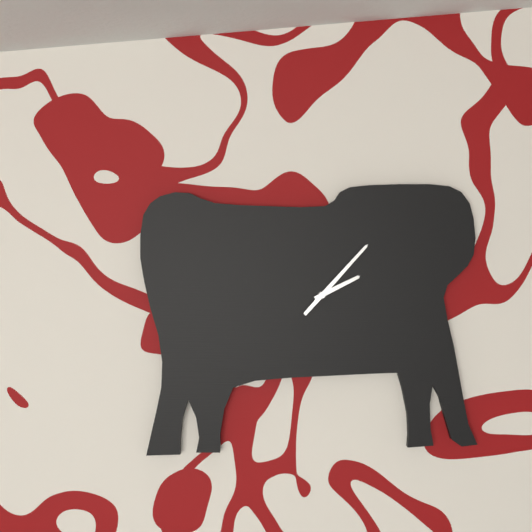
2:07
